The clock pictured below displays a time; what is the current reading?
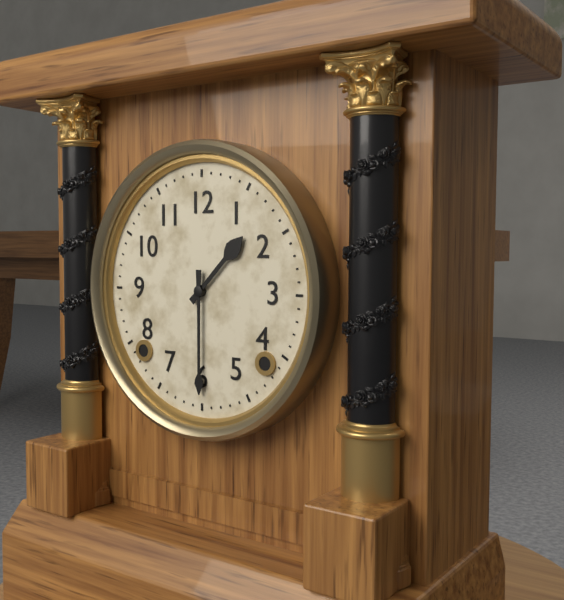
1:30
